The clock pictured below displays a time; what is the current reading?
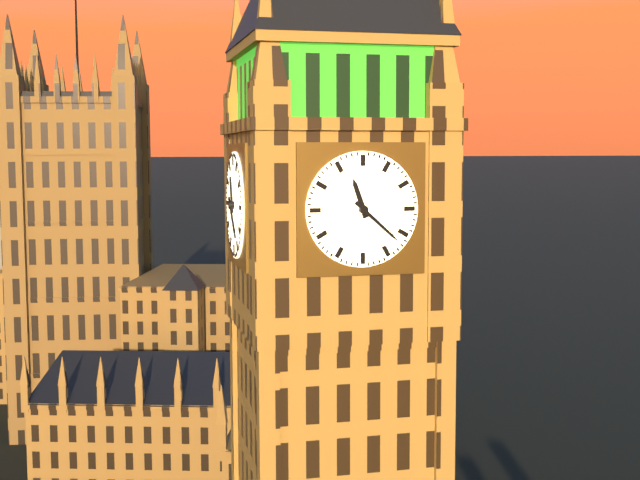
11:22
